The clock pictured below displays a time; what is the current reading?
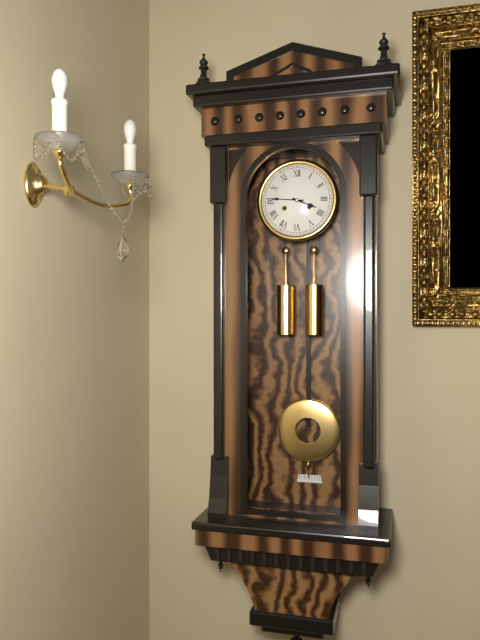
3:46
